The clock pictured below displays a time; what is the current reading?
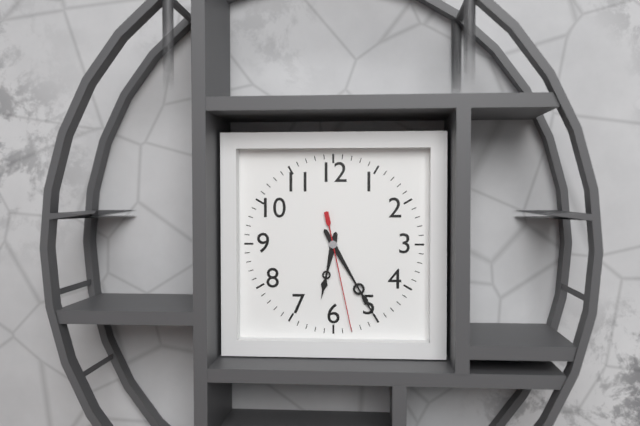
6:25:28
